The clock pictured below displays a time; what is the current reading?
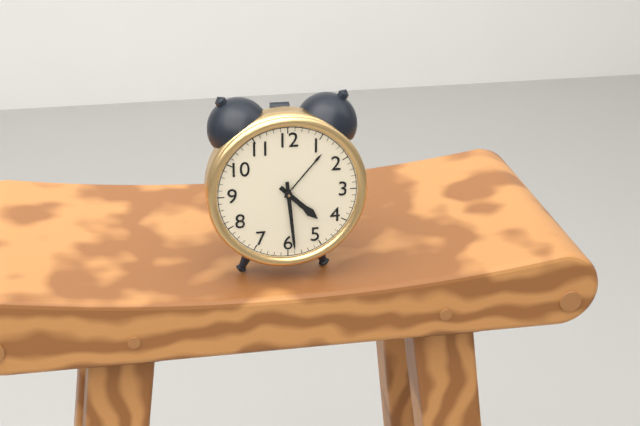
4:29
